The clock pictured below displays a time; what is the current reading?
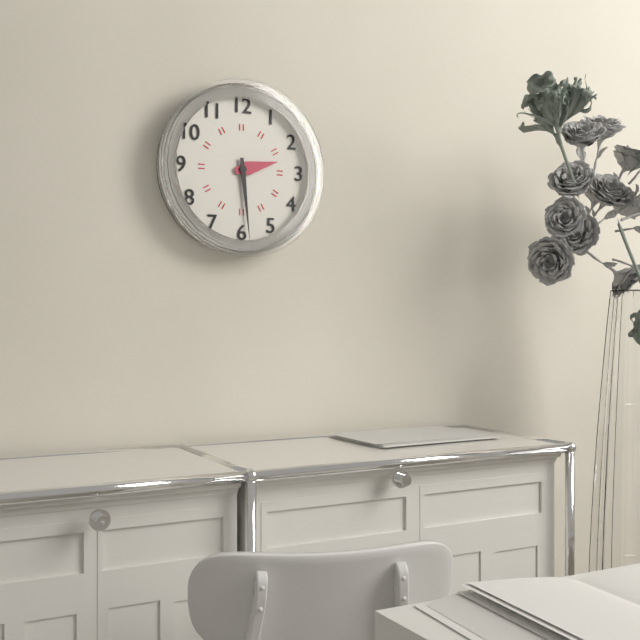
2:29
